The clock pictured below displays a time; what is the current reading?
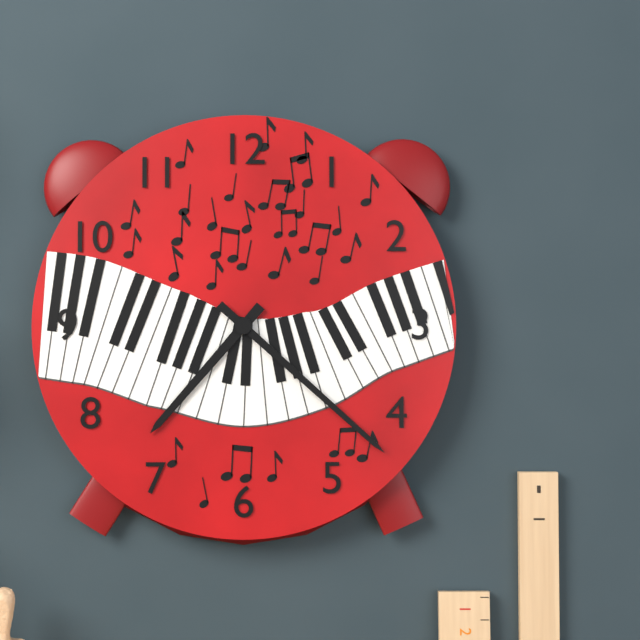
7:22
